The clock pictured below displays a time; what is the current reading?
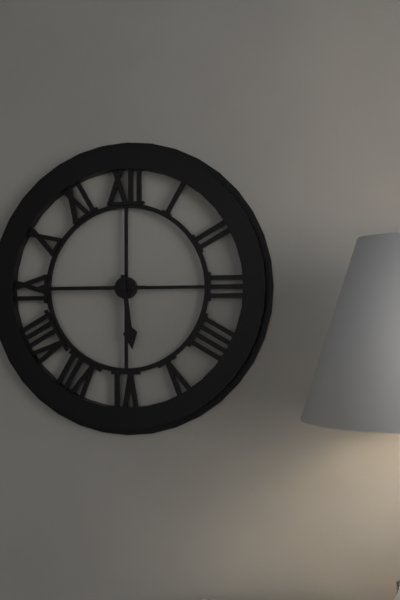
5:45
